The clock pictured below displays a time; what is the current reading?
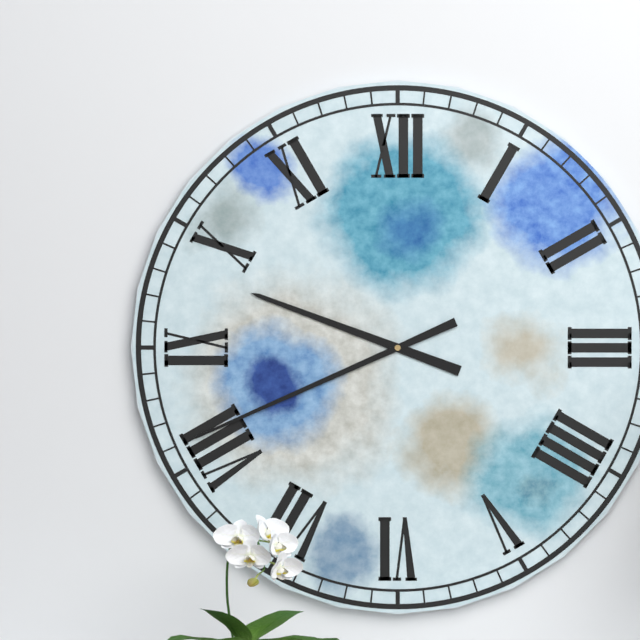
9:41
